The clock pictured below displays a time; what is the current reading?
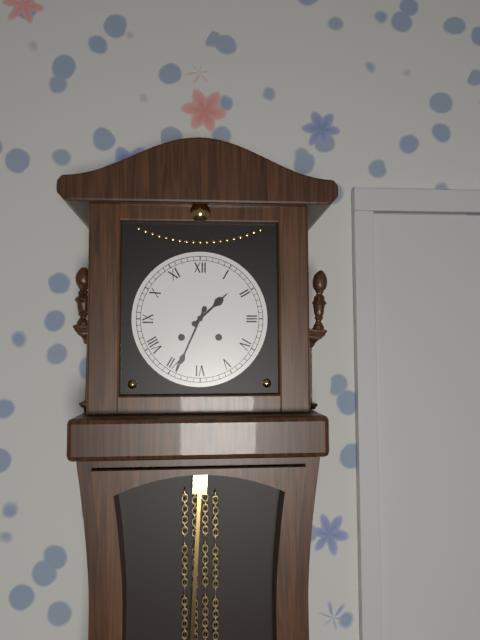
1:34
